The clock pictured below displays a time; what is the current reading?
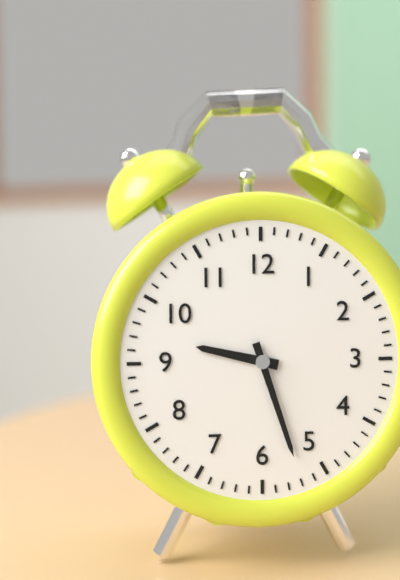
9:27
